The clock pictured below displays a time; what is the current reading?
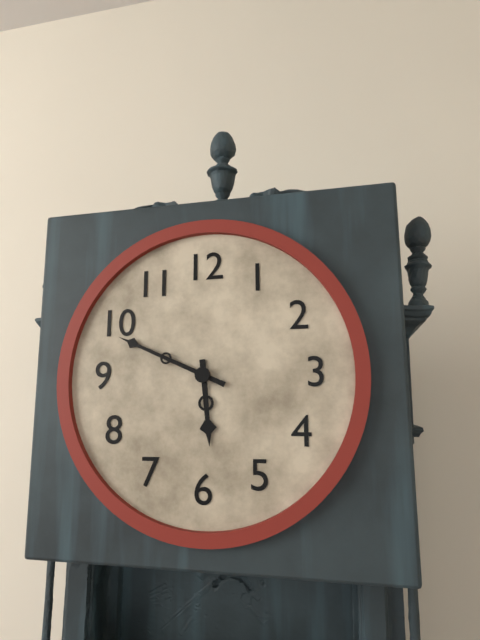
5:49
